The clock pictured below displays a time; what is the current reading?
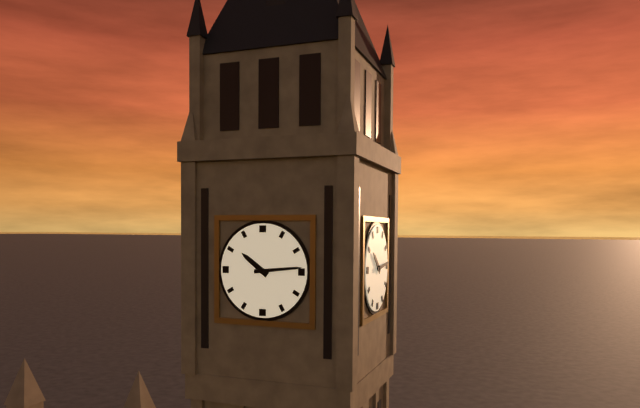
10:14
